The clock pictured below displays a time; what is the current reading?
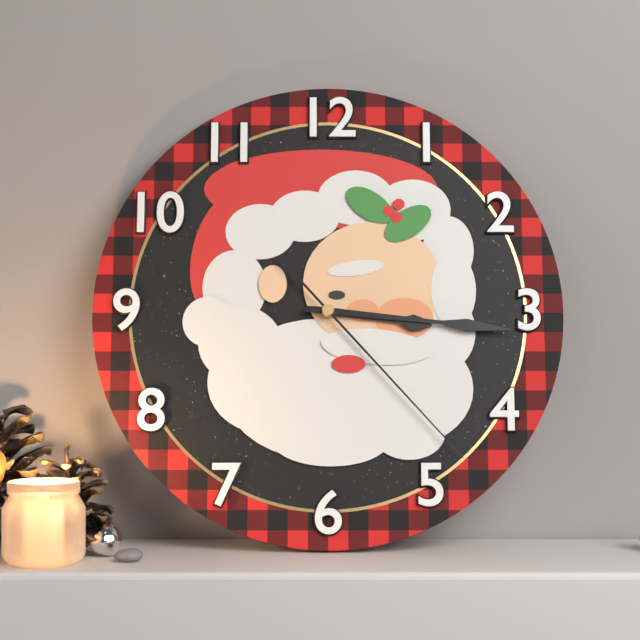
3:16:23
